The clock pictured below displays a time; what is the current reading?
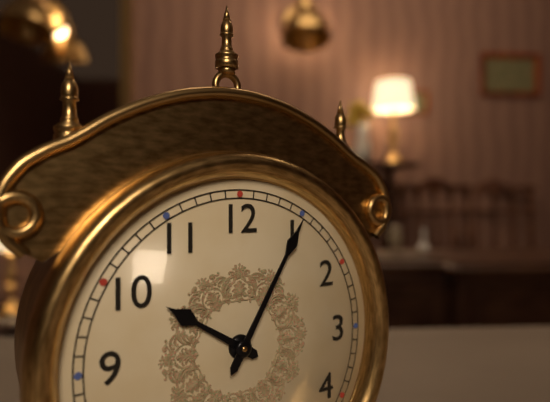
10:05
